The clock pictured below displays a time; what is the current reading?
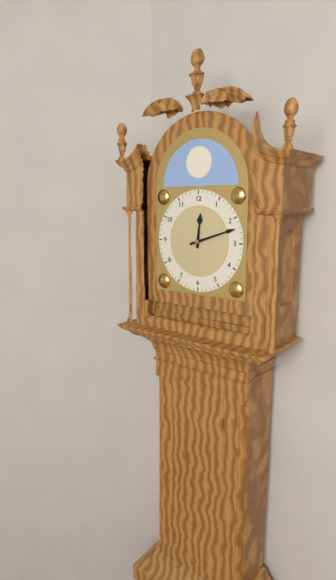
12:12
